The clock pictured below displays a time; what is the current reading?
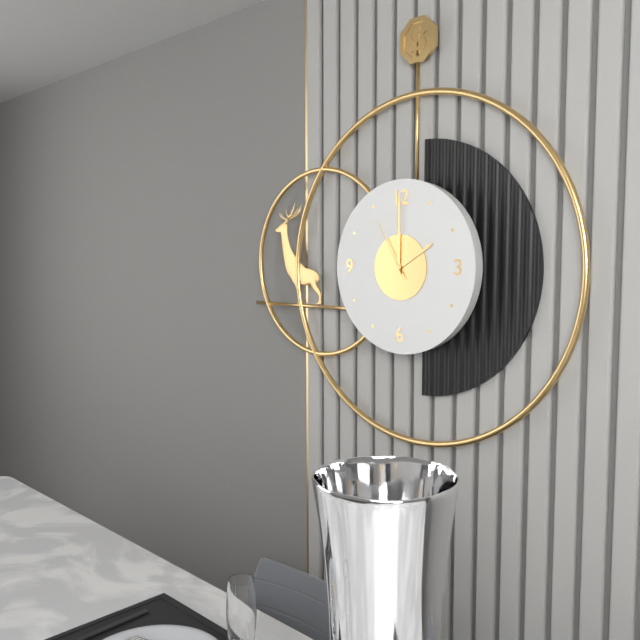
2:00:55
